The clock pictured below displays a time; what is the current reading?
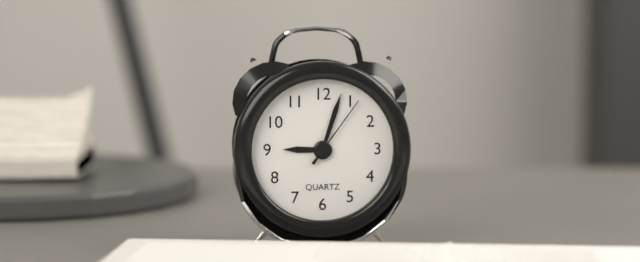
9:03:06
